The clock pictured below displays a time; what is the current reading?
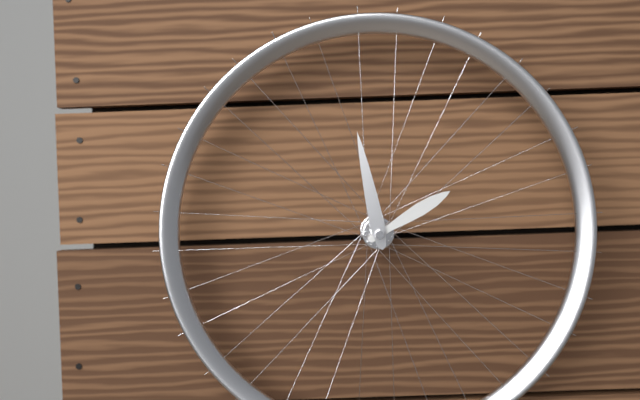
1:58
